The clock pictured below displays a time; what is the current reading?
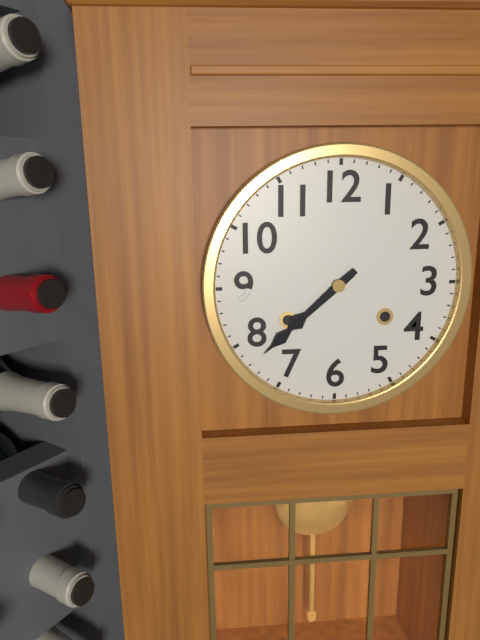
7:38
